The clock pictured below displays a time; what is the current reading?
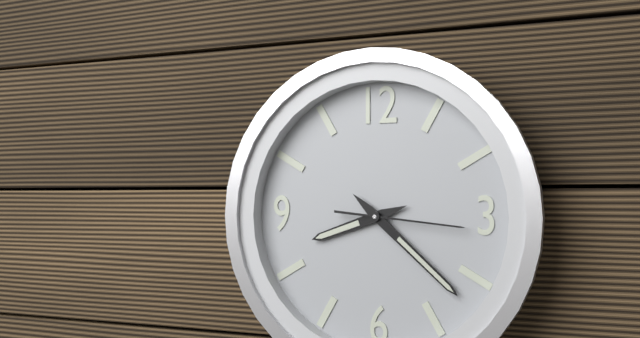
8:22:16
